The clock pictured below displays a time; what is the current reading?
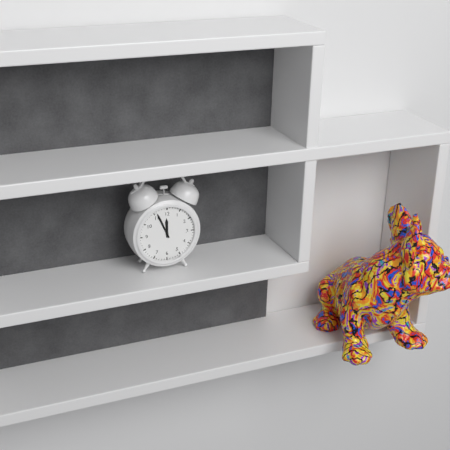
11:56
